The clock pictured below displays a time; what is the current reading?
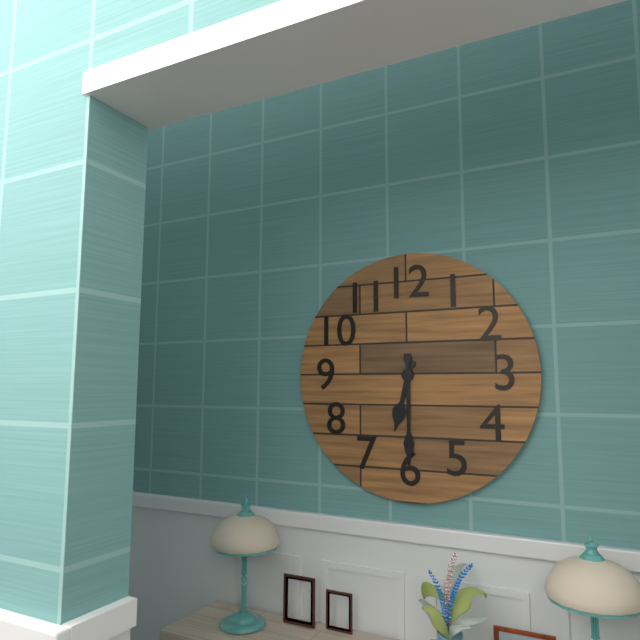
6:30
